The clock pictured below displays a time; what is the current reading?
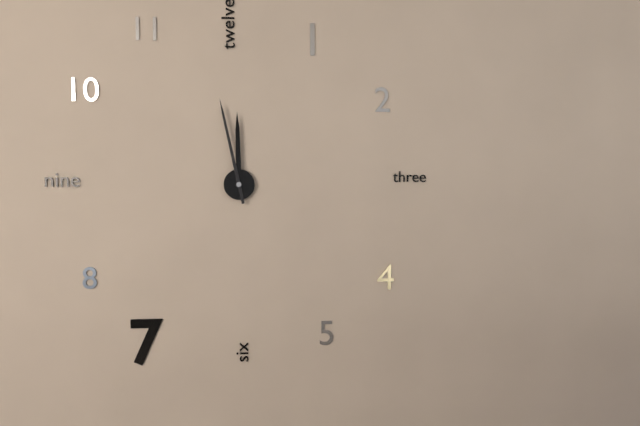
11:58
